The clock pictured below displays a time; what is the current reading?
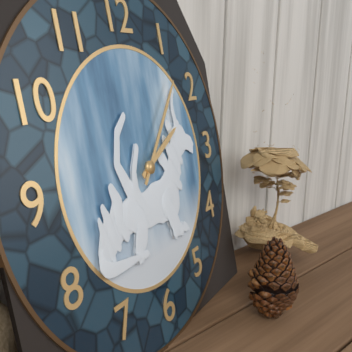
2:07
